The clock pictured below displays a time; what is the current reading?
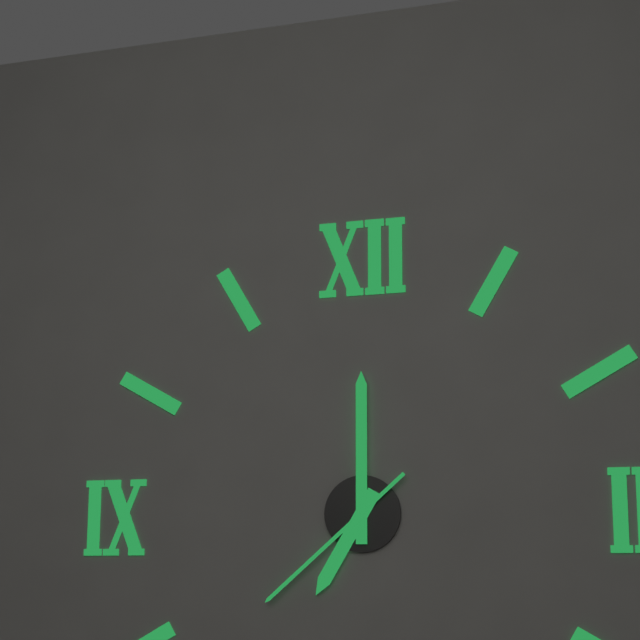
7:00:38
